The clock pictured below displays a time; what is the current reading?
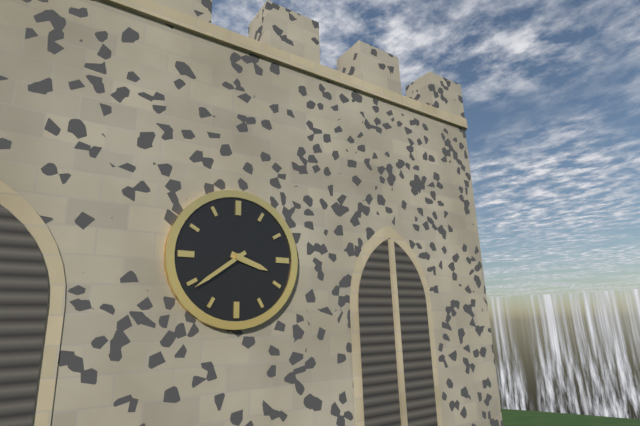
3:39
